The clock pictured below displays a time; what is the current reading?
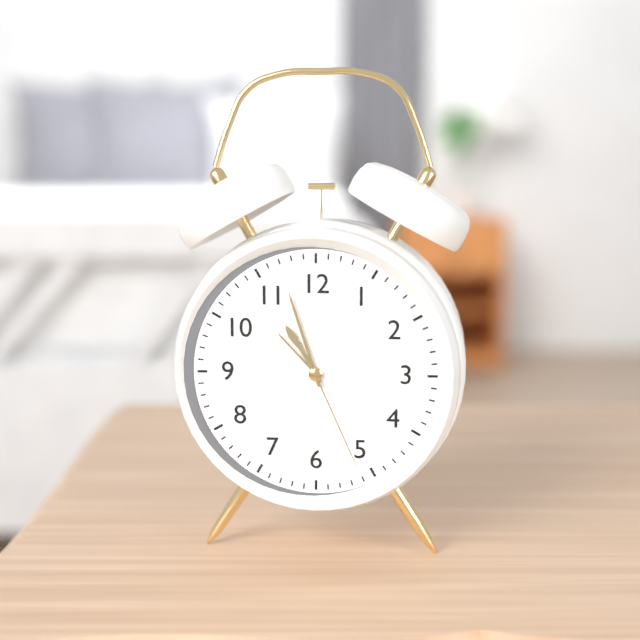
10:57:26
